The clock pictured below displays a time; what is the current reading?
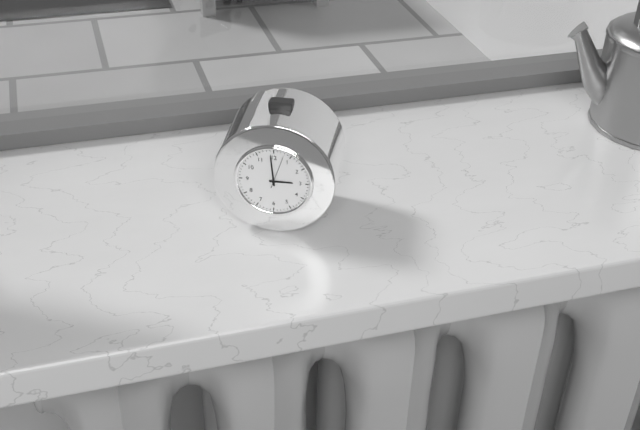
2:59
